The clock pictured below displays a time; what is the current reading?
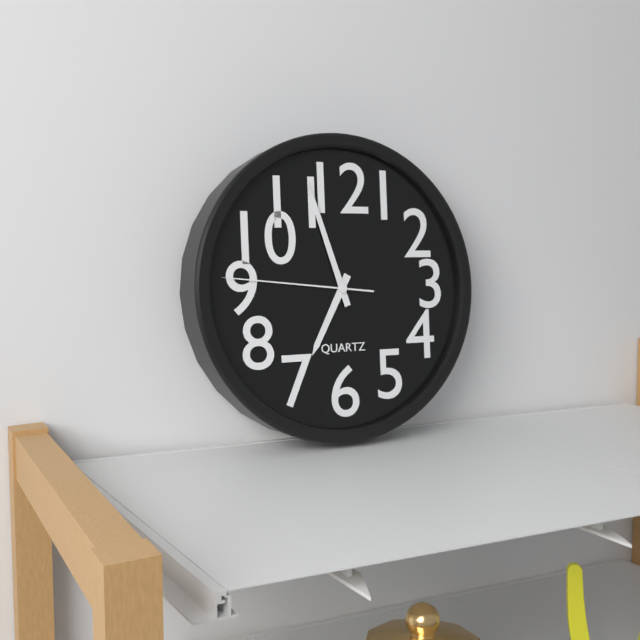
6:57:46
